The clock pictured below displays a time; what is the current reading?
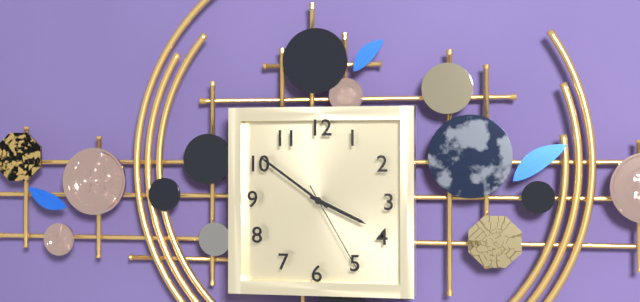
3:51:25
